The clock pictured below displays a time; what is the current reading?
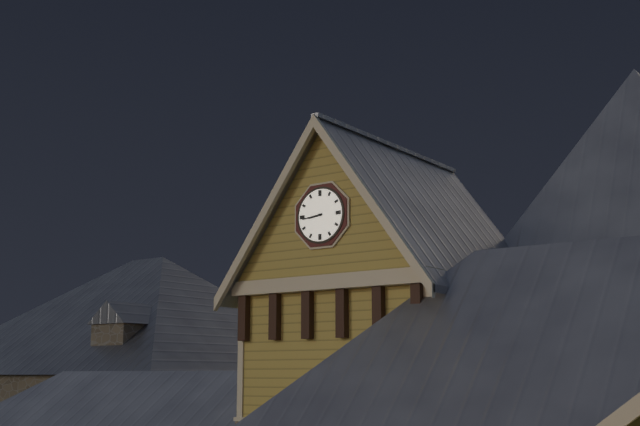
8:44
